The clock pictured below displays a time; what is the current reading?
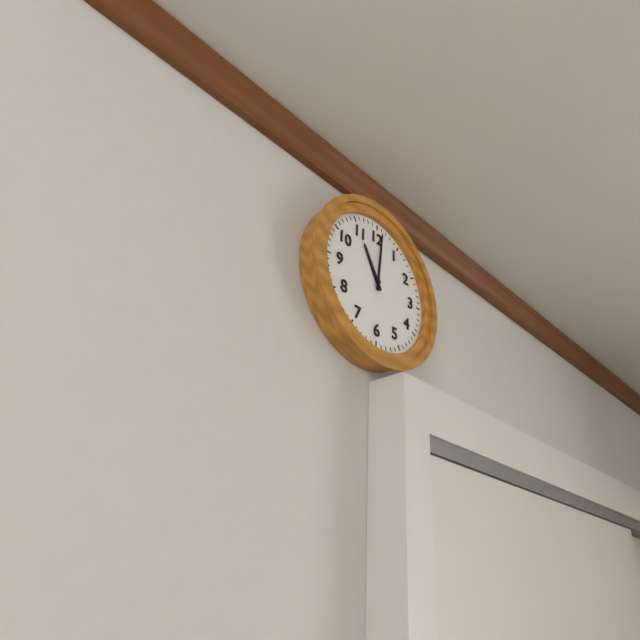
11:01
